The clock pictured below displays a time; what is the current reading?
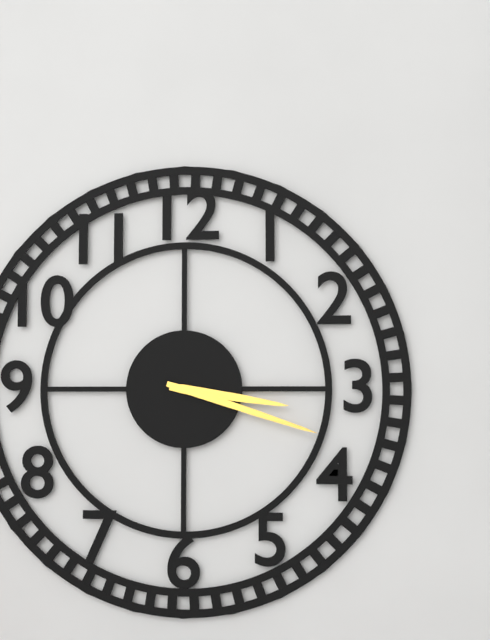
3:18
